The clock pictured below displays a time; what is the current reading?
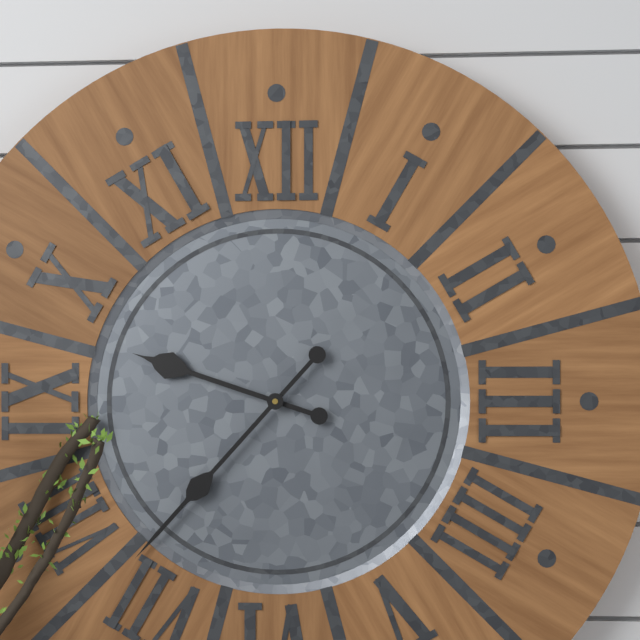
9:37
